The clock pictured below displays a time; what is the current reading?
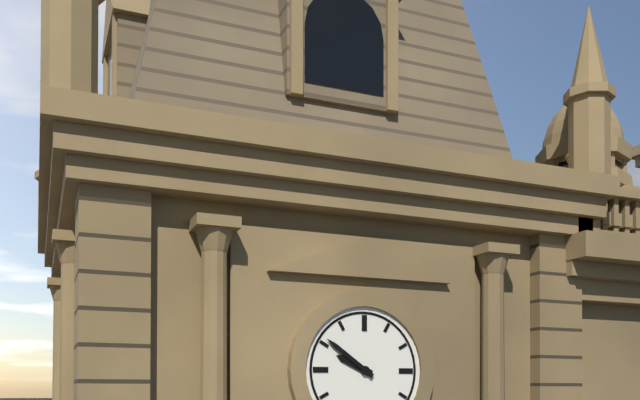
9:51
